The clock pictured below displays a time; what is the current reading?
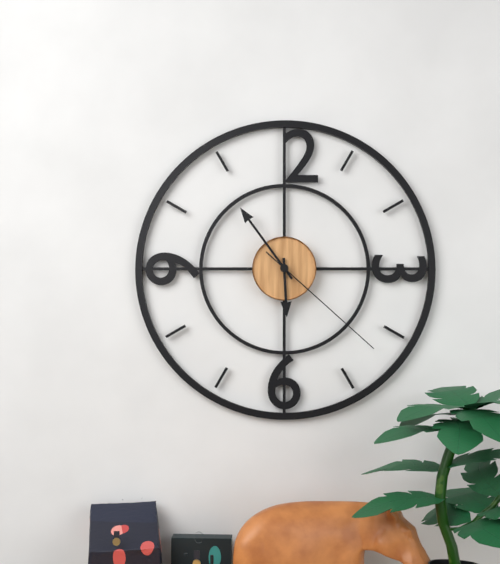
5:54:22
